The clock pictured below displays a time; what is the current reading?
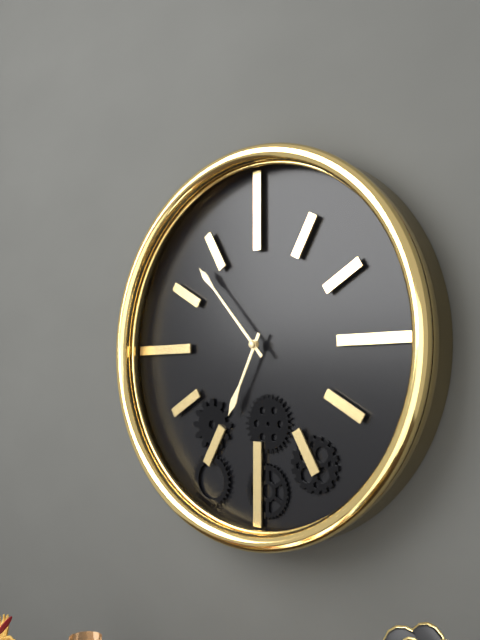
6:53
